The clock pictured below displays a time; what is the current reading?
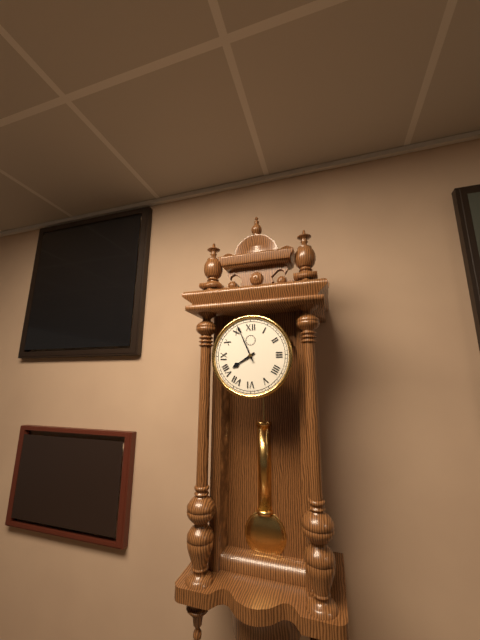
7:56
